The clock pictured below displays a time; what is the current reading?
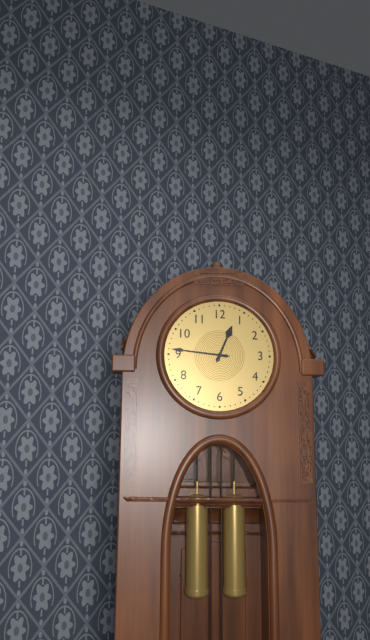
12:46
